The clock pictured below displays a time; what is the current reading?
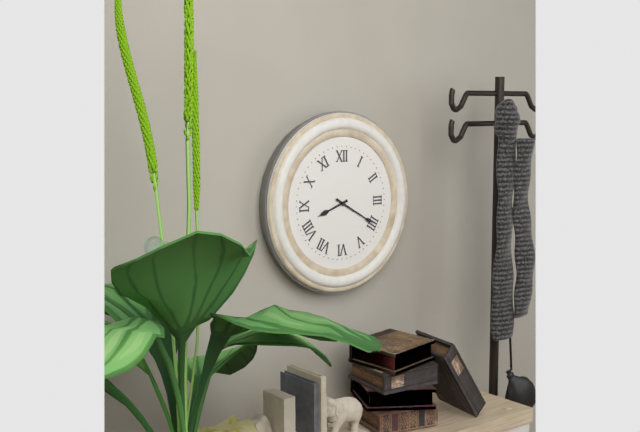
8:20
